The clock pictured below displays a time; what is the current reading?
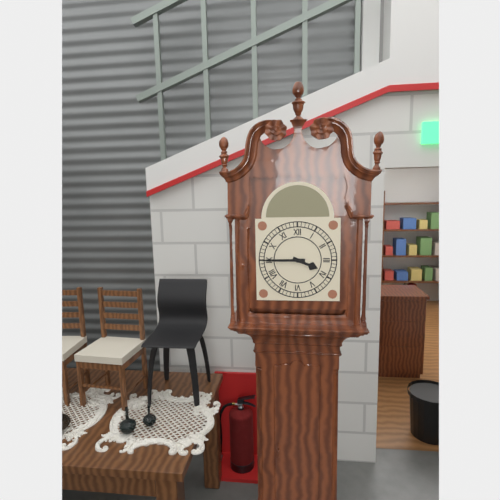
3:45
